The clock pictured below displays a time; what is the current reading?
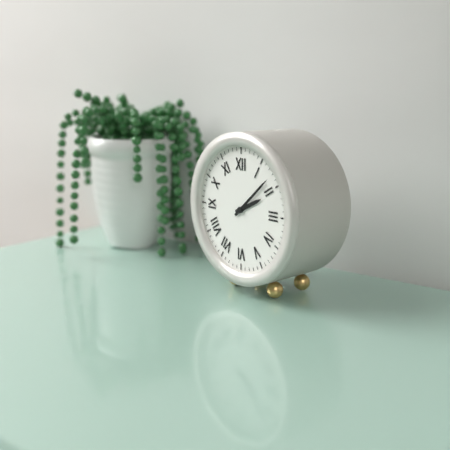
2:08
